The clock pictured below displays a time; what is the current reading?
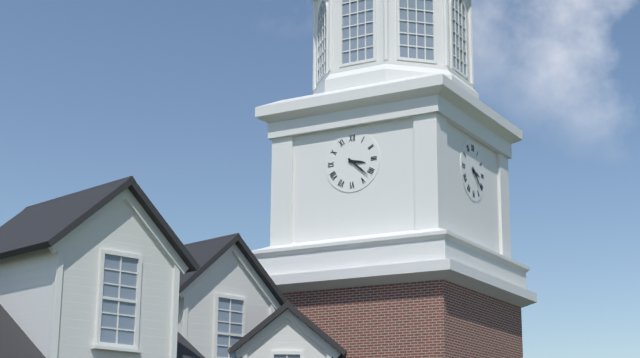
3:22
